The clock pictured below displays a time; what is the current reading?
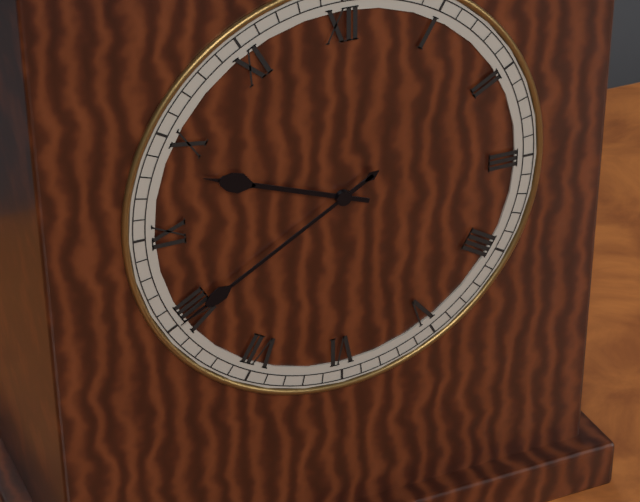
9:40
